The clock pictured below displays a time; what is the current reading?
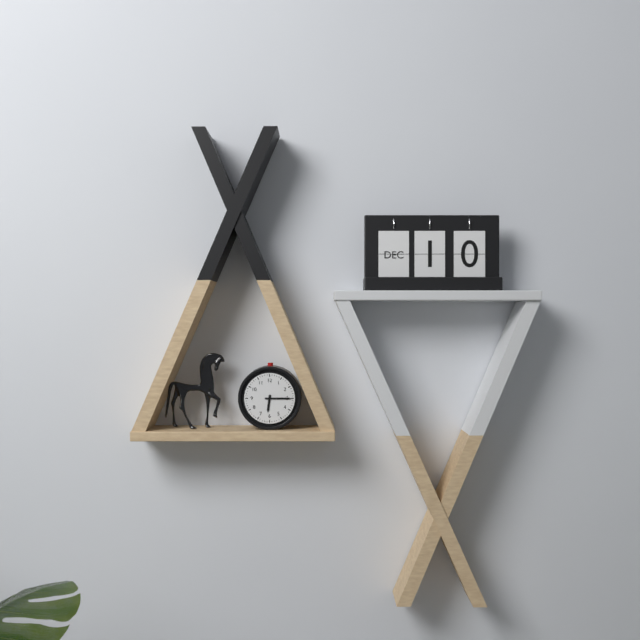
6:15
